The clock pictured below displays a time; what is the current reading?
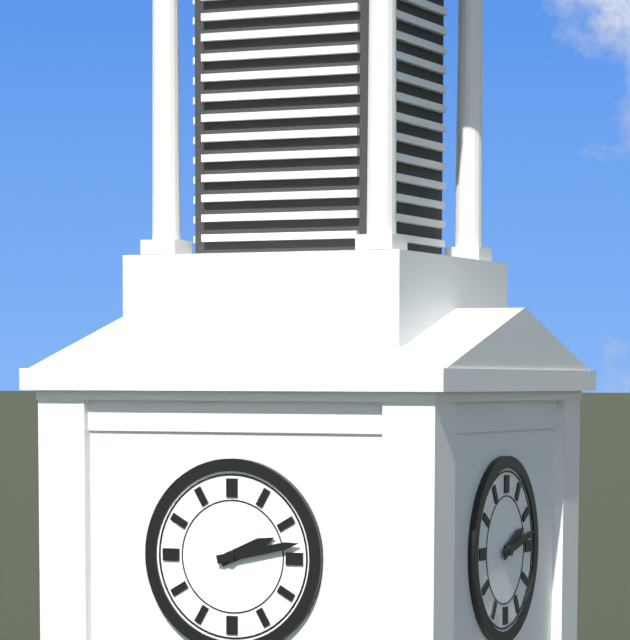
2:13
